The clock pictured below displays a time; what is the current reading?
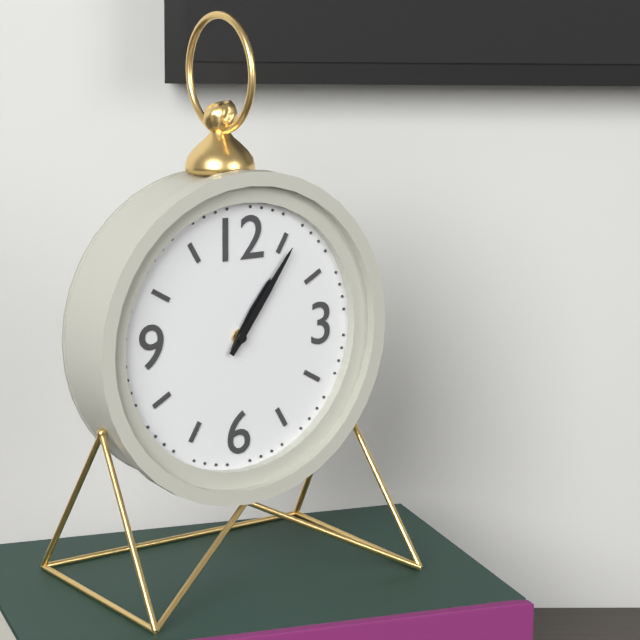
1:06
